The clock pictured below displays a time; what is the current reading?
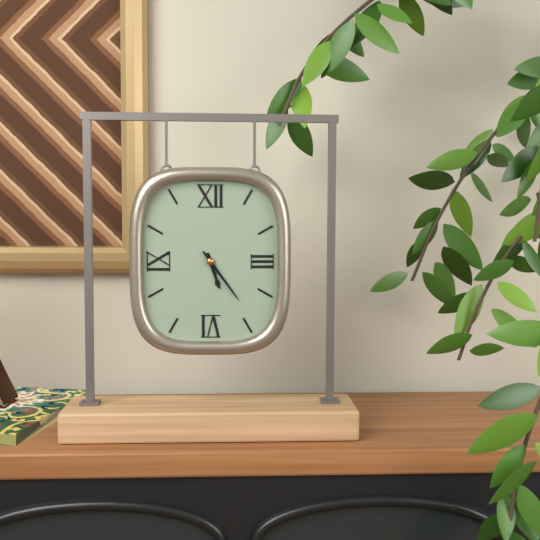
5:24
